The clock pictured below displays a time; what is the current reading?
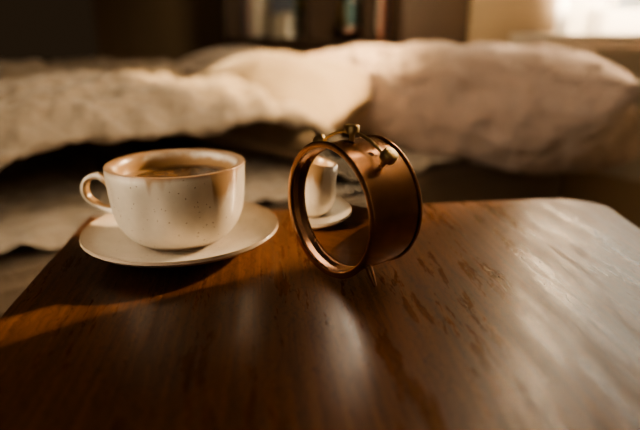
8:04
